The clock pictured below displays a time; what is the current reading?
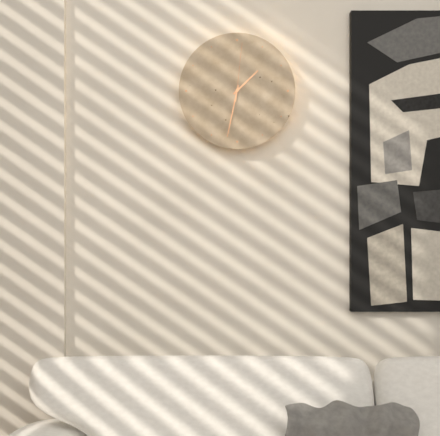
1:32:01
